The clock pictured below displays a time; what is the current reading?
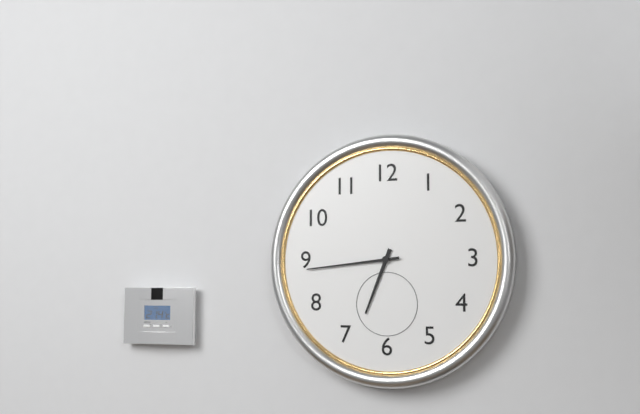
6:44
